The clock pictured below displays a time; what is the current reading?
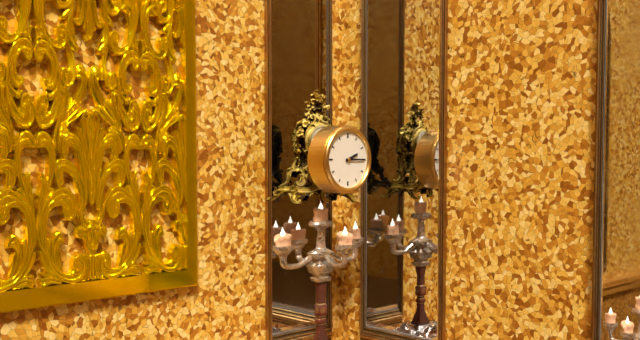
2:15
